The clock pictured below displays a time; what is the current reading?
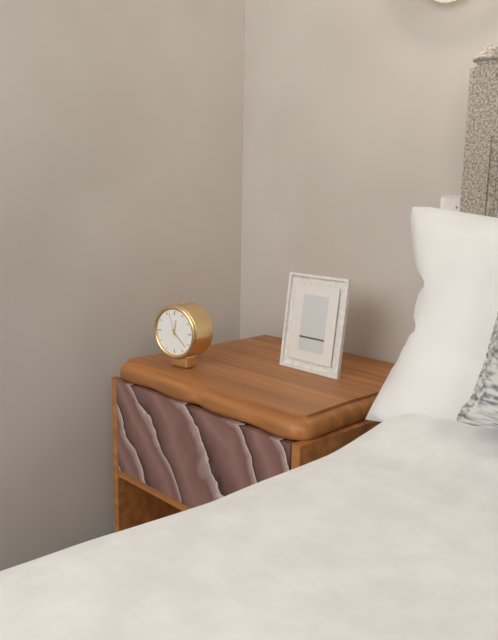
12:22
